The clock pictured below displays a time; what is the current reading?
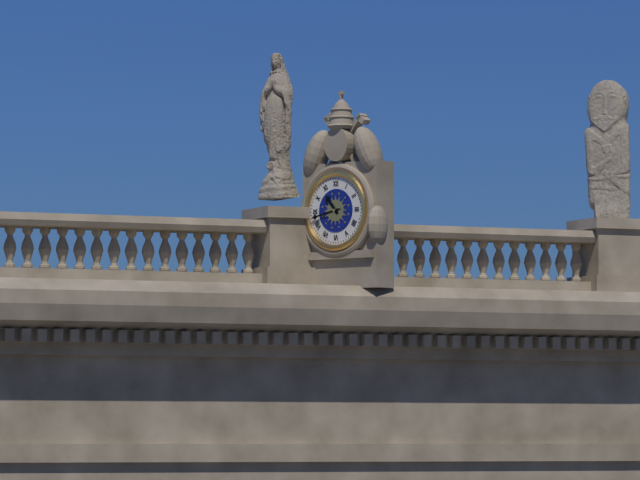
10:43
